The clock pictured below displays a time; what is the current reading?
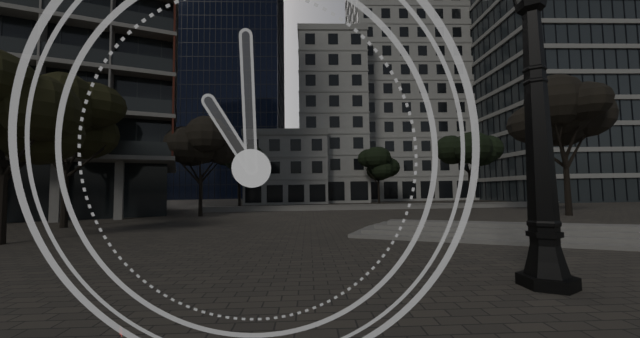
11:00
